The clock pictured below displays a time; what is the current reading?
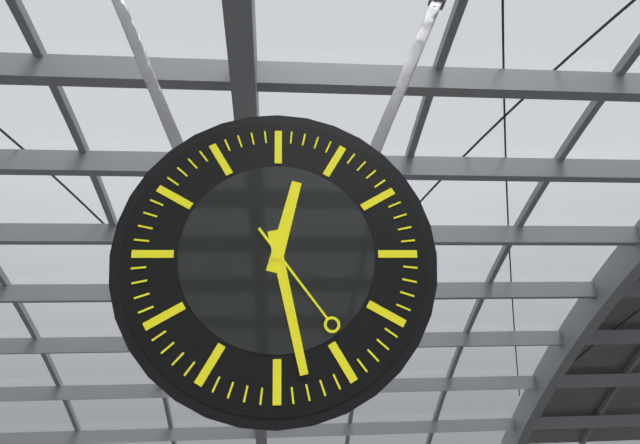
12:28:24
